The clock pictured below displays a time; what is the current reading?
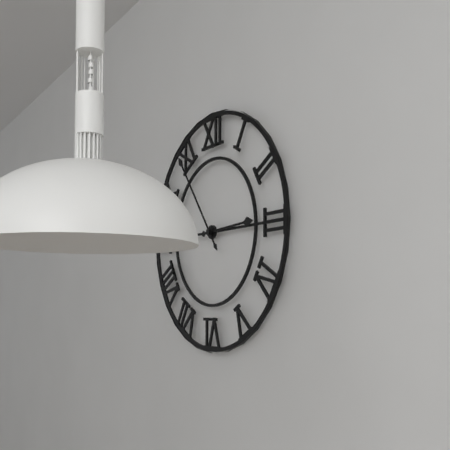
2:54
